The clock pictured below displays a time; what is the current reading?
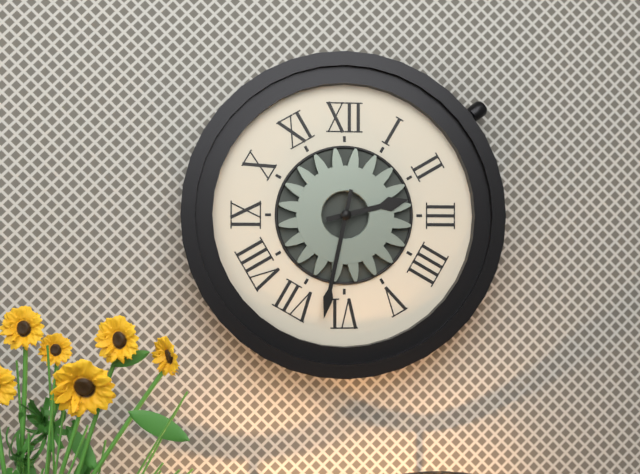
2:32
